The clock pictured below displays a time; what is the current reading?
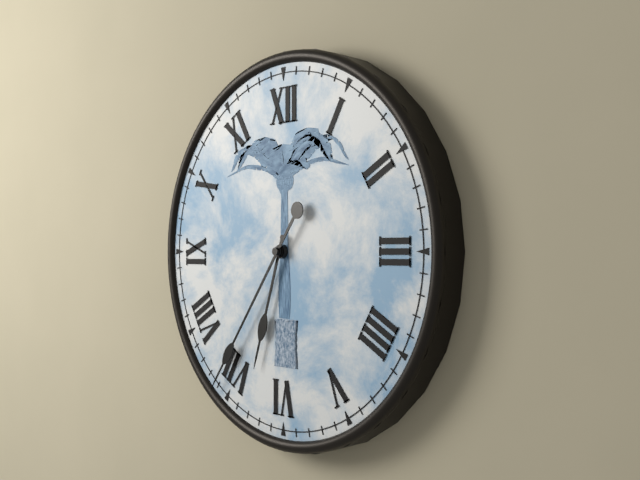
6:36
